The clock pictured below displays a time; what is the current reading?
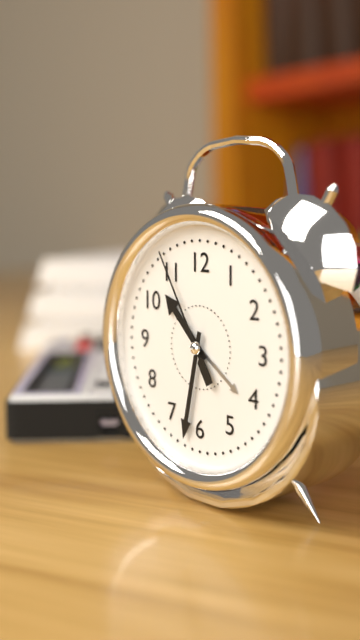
10:32:55
